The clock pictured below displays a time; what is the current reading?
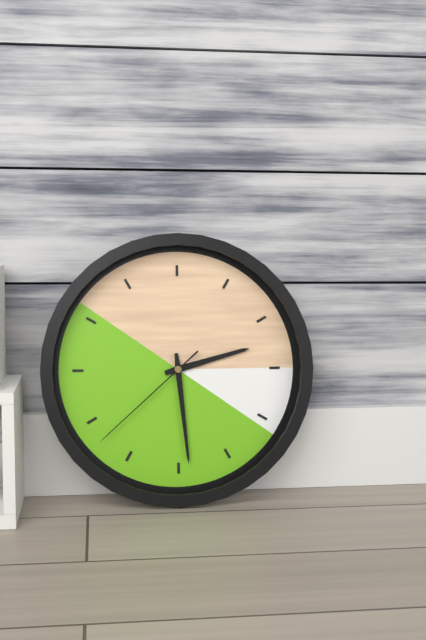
2:29:38
